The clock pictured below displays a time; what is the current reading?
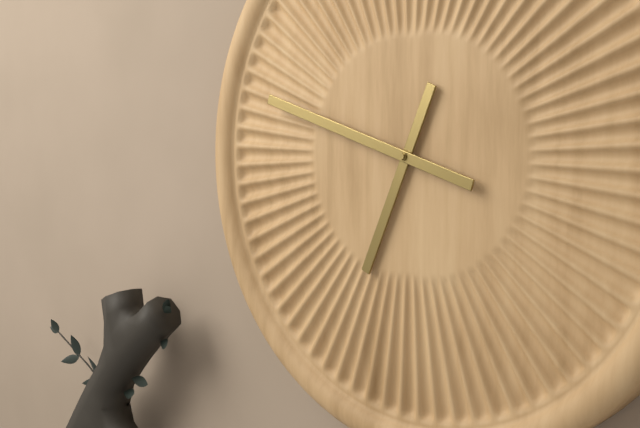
6:48
